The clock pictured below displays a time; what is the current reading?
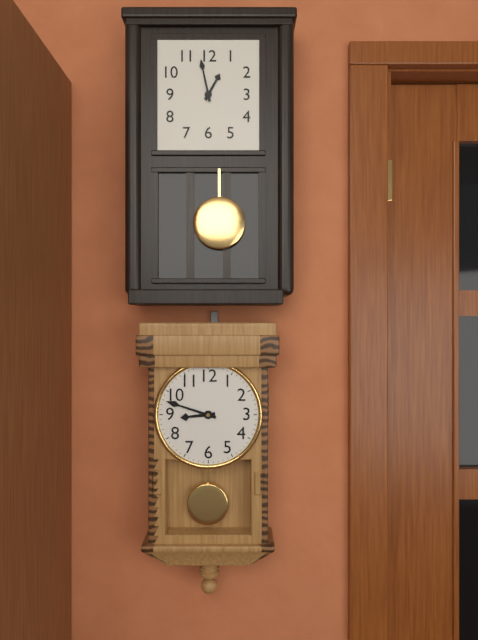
8:48
